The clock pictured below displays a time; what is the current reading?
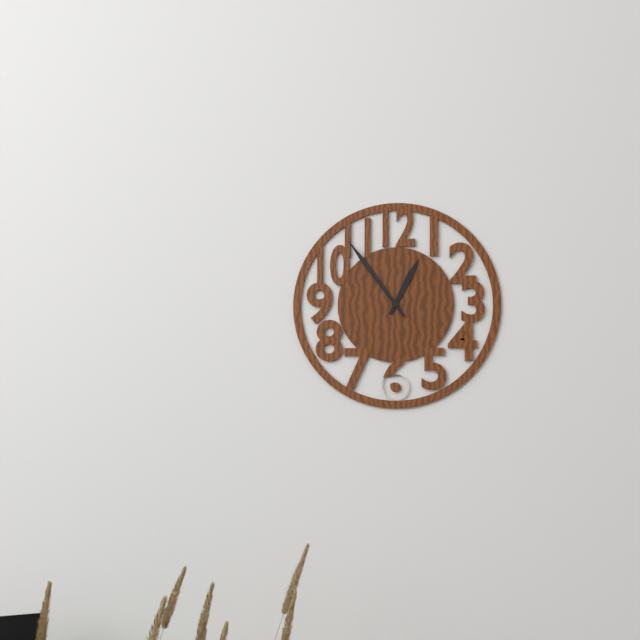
12:54
